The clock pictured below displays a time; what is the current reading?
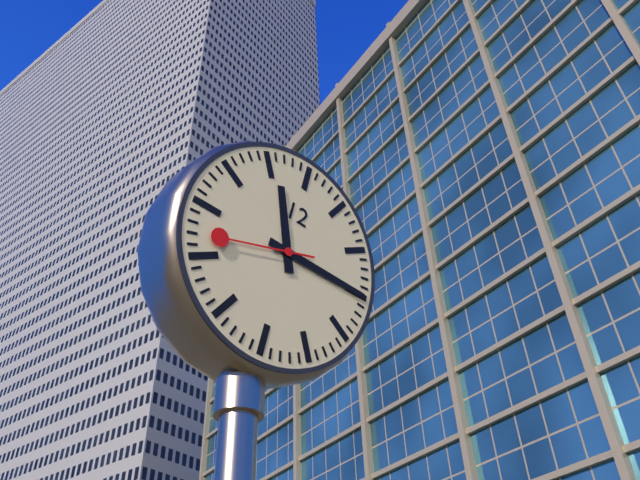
11:15:42
